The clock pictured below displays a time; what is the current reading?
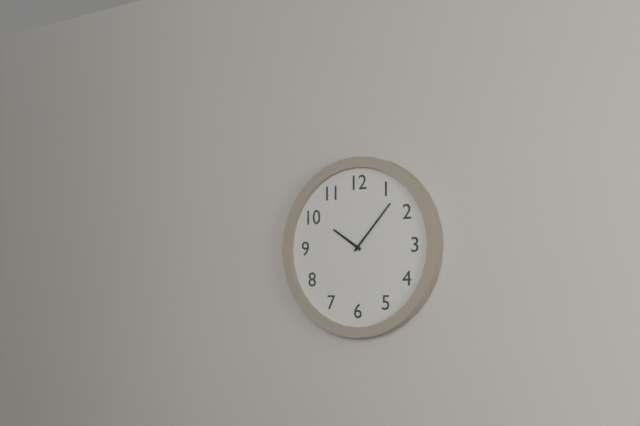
10:07
